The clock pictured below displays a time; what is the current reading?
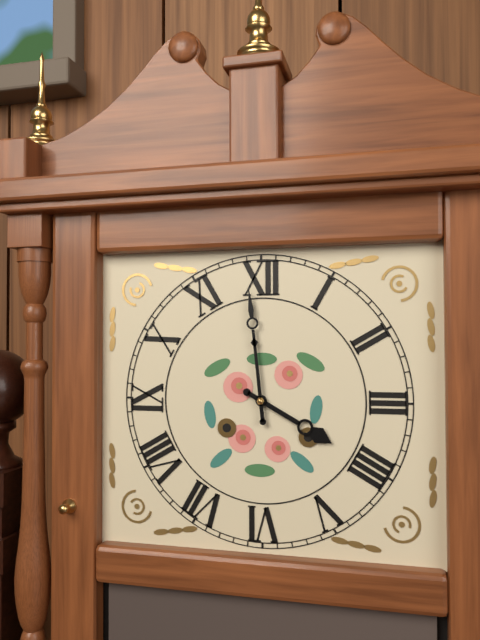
3:59
